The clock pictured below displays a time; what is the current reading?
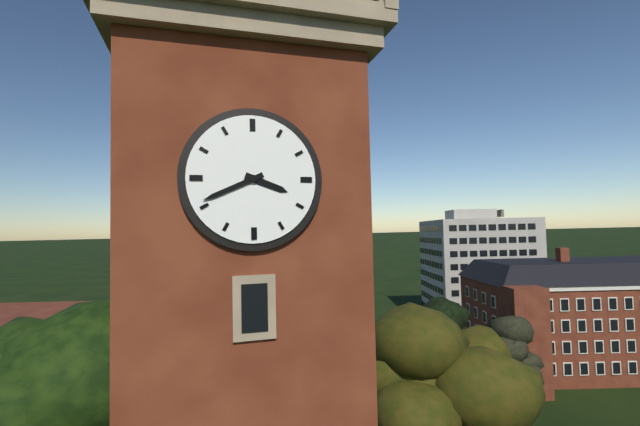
3:41
